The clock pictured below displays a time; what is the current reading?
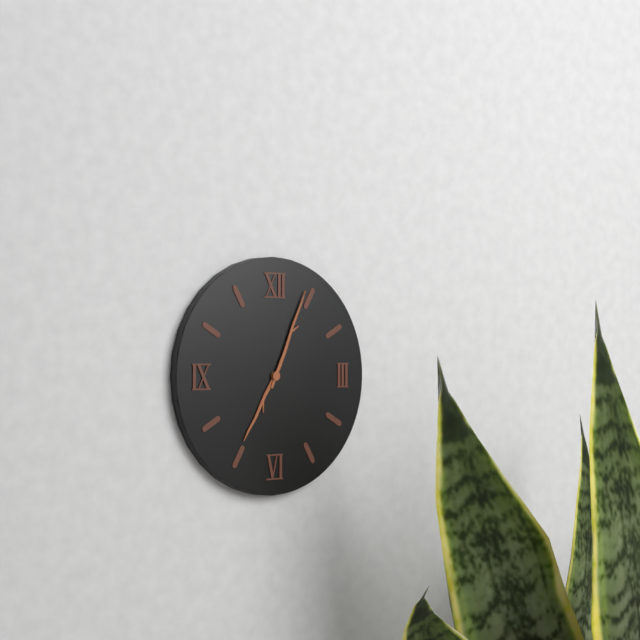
7:04
